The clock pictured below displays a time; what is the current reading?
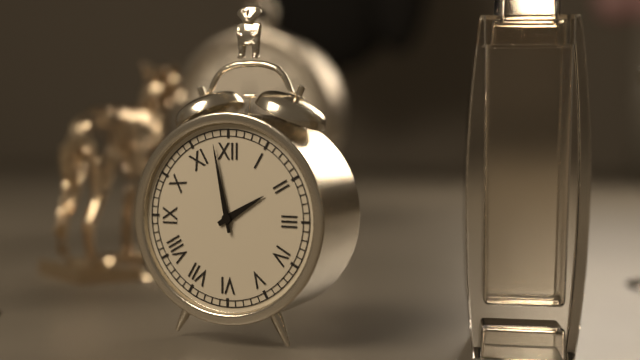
1:58
